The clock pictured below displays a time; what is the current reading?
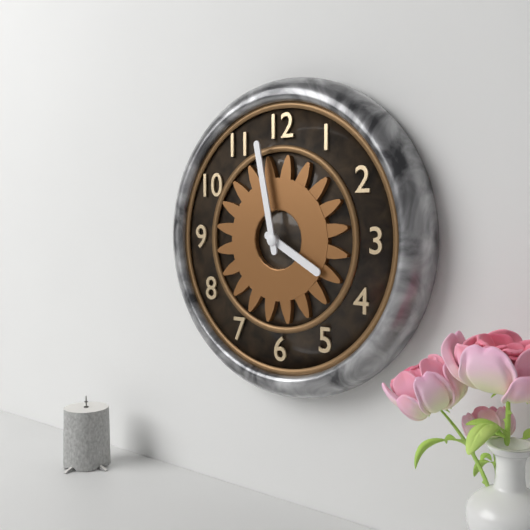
3:58
